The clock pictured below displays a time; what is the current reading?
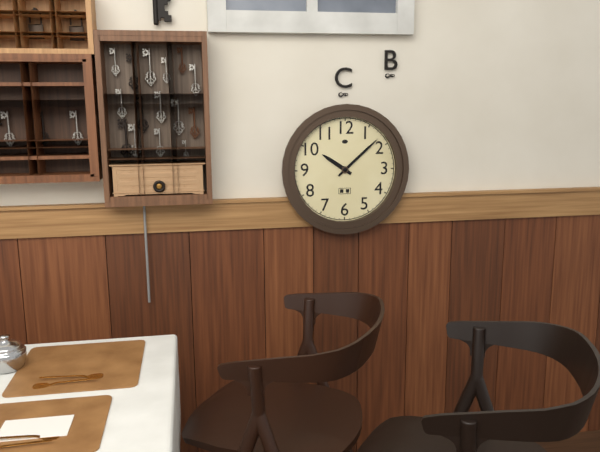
10:08
